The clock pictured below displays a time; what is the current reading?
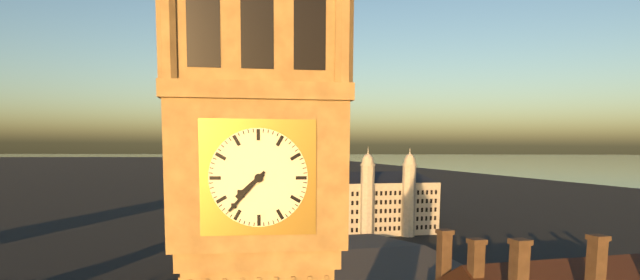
7:37
